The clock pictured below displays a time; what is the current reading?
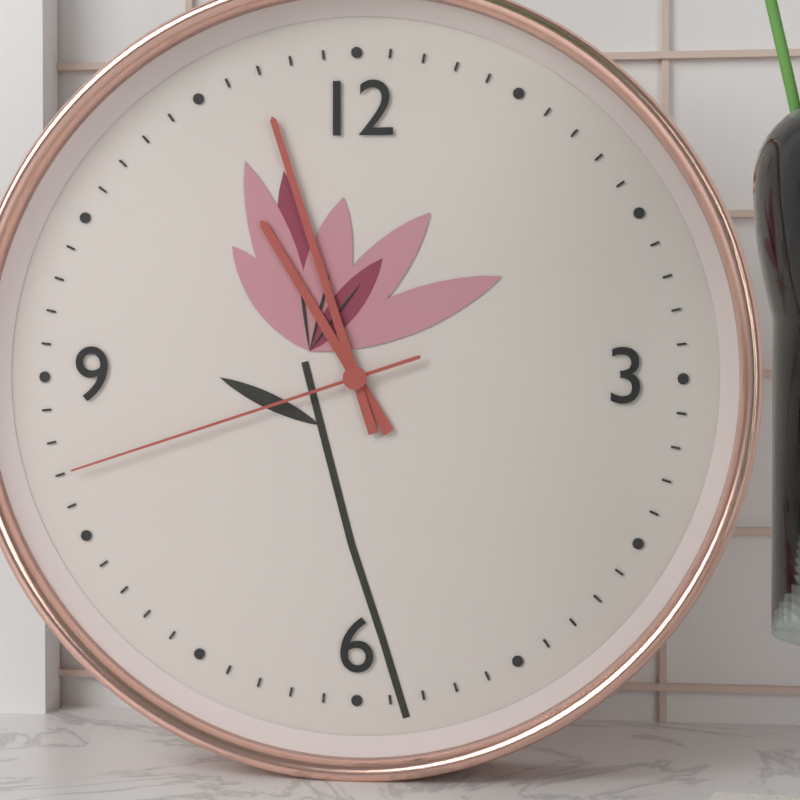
10:57:42
